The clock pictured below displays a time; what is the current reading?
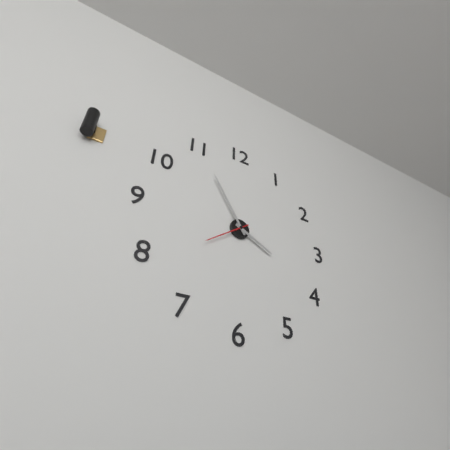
3:55
